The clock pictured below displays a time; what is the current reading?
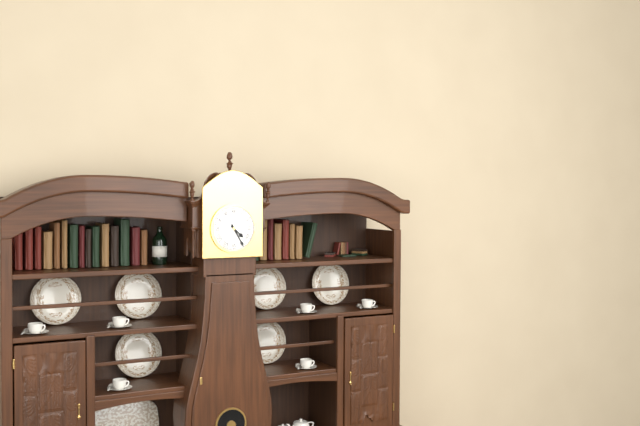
4:25
